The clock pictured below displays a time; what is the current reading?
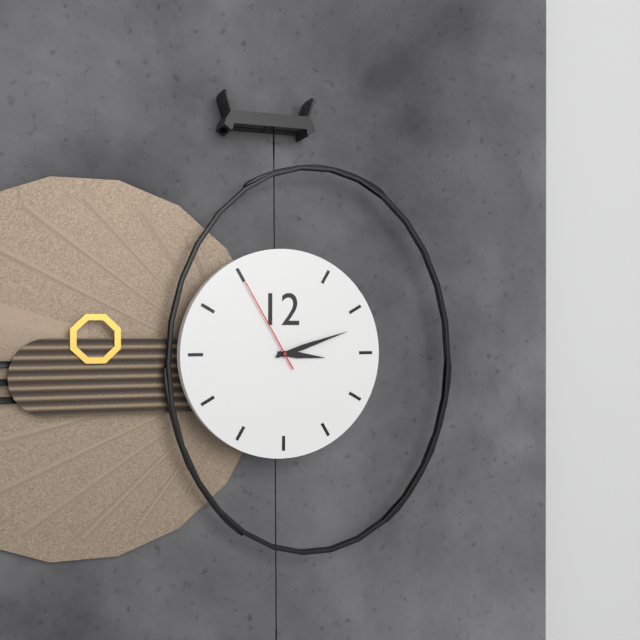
3:12:55
